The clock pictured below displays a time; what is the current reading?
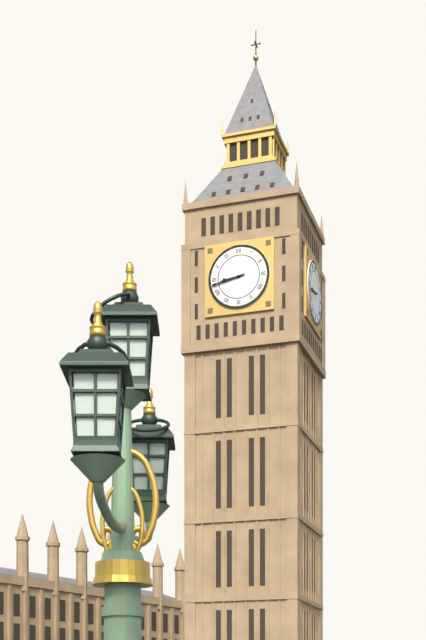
8:43
